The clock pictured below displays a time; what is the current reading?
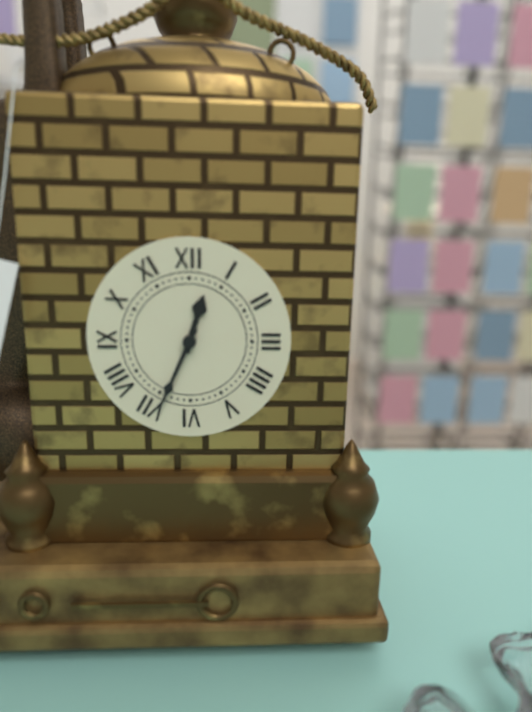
12:34
